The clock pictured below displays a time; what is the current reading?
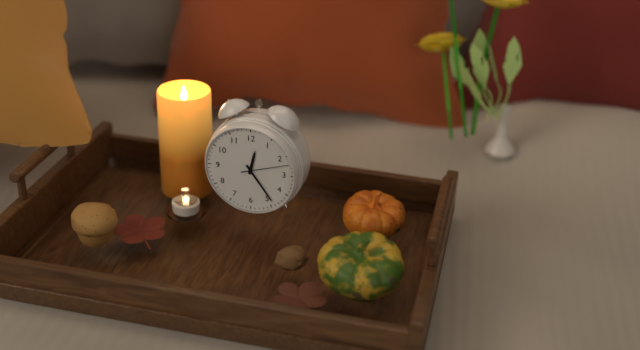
12:24
